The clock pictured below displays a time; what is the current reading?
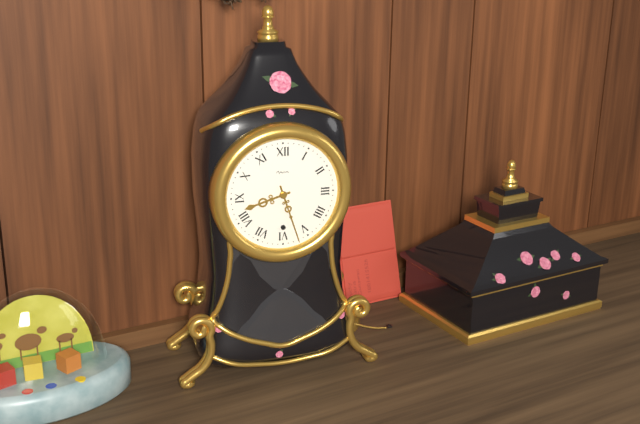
8:27
